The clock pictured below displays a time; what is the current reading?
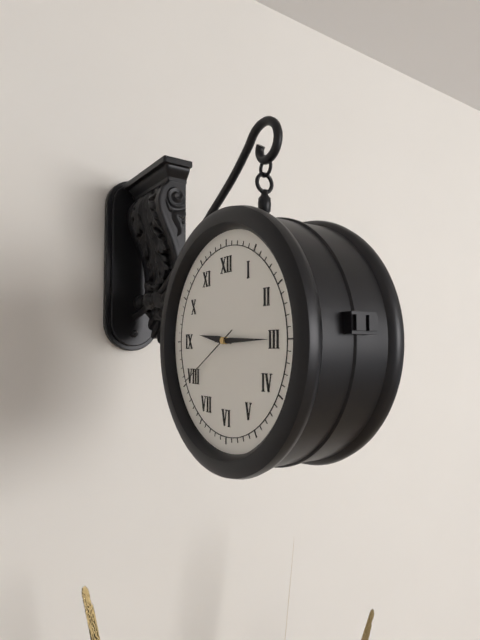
9:15:40
